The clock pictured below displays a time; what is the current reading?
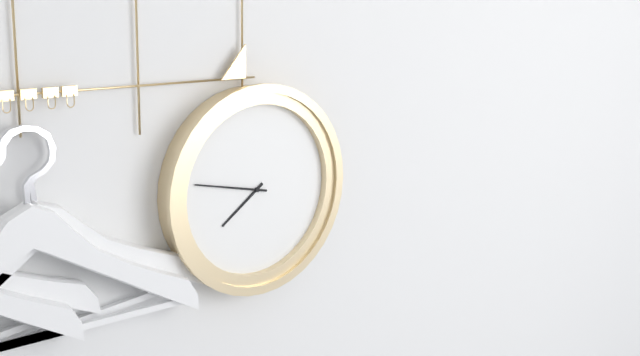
7:47
